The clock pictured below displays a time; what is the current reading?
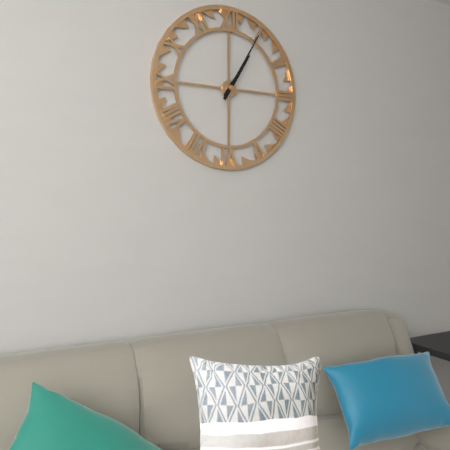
1:05
